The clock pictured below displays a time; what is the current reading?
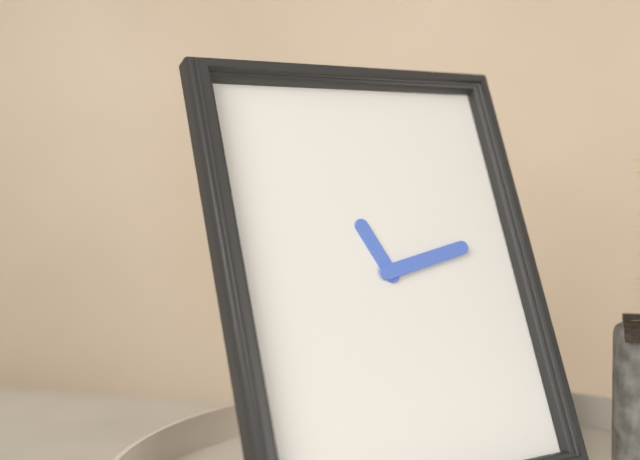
11:13
